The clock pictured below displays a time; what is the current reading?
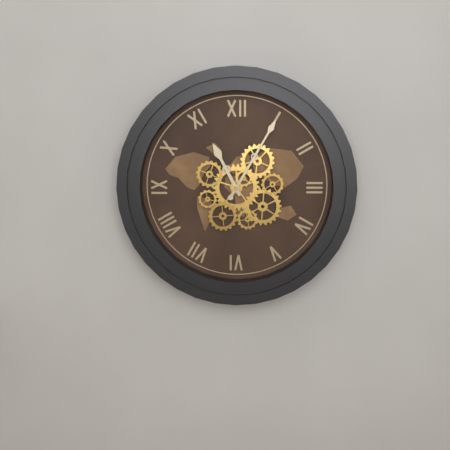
11:05
